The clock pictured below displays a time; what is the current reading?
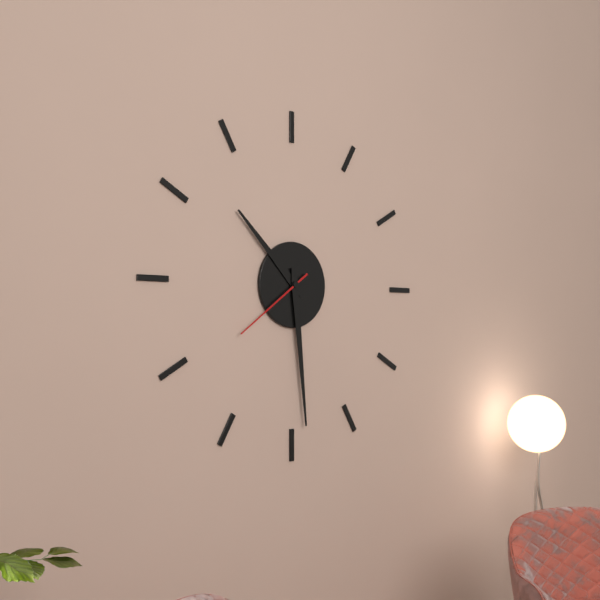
10:29:39
